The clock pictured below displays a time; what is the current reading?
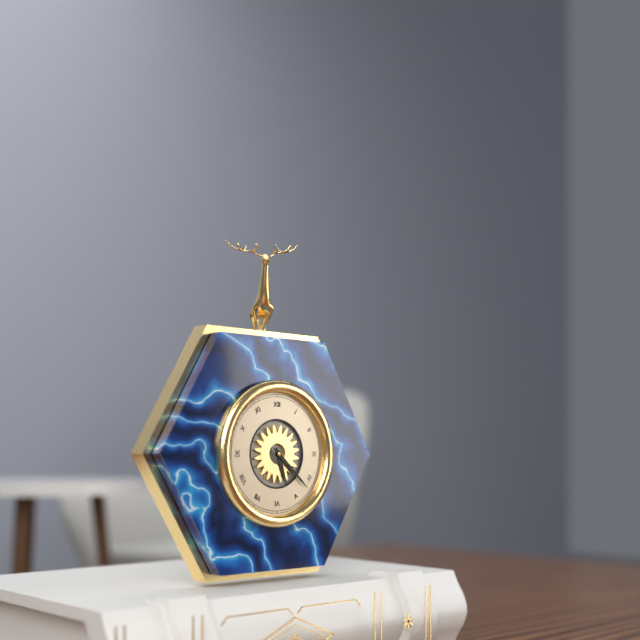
5:22
